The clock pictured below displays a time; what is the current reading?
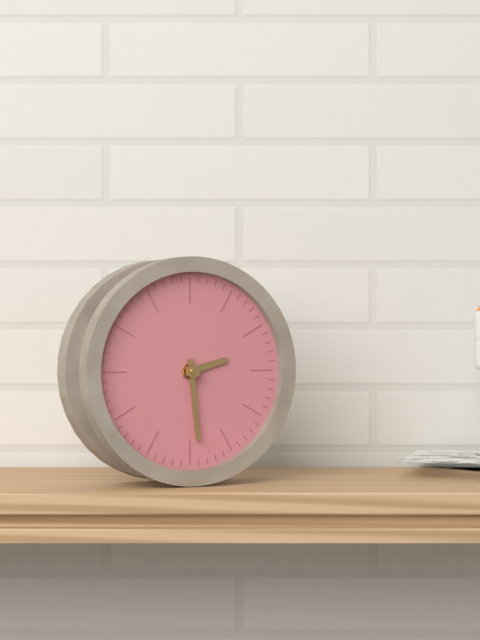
2:29
